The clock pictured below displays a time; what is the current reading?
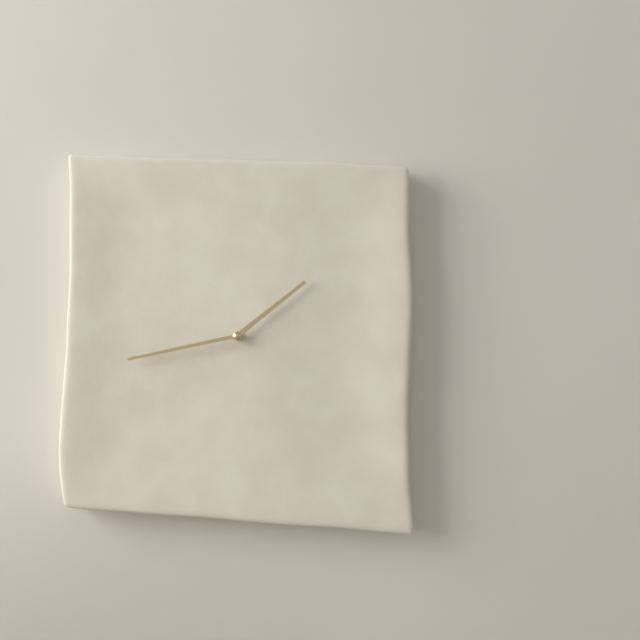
1:43
